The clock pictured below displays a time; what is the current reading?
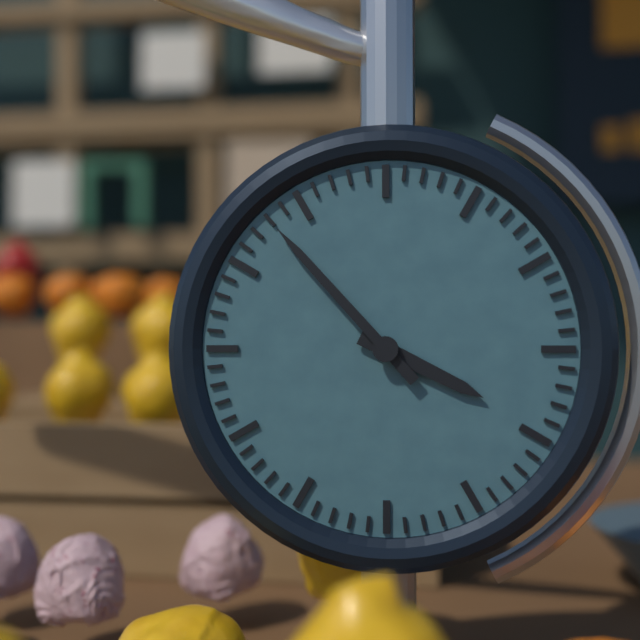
3:53
